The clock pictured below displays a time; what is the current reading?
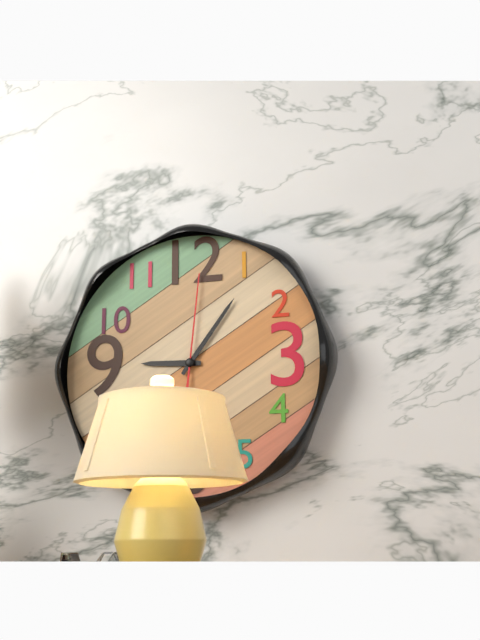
9:06:01
